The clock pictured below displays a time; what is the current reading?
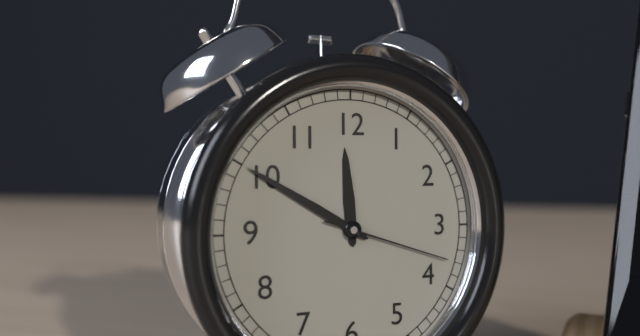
11:50:18
